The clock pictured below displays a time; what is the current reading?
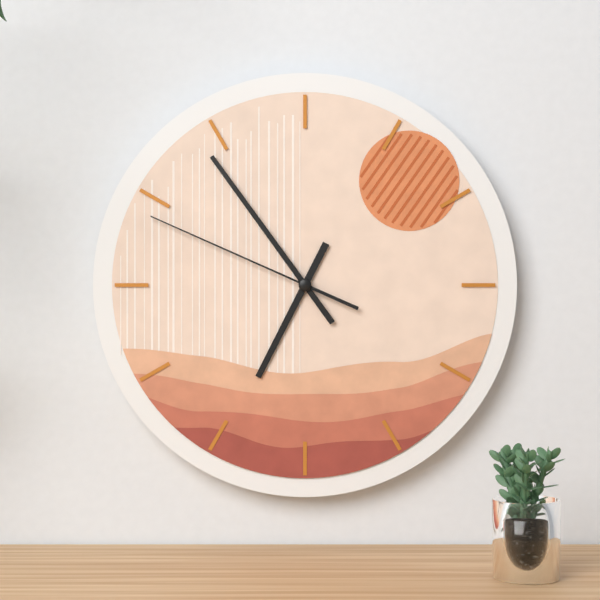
6:54:49
